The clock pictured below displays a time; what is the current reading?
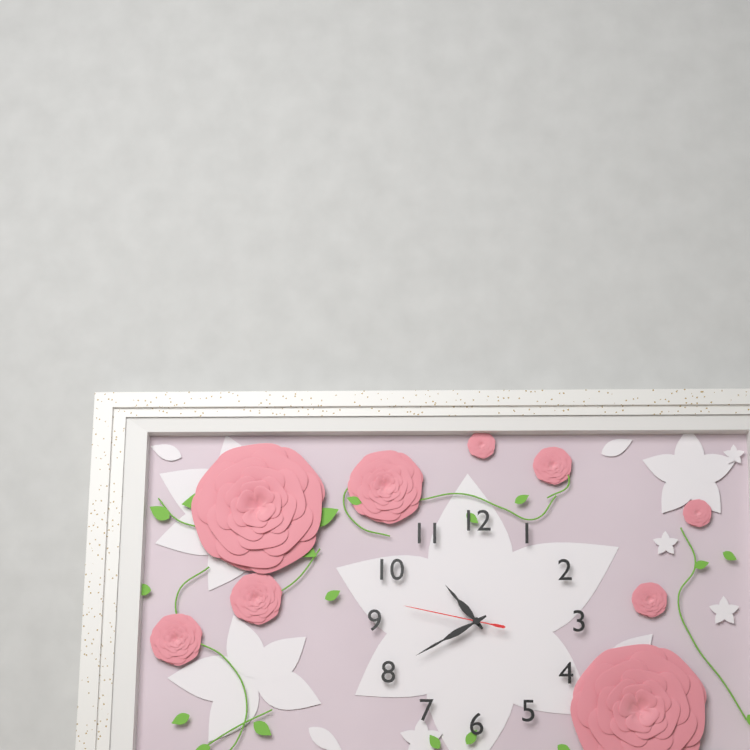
10:40:47
